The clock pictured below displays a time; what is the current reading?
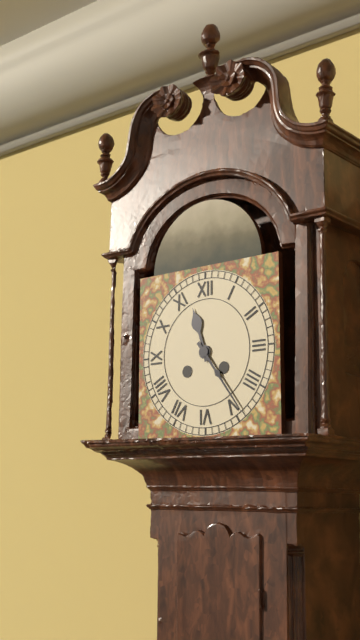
11:24
